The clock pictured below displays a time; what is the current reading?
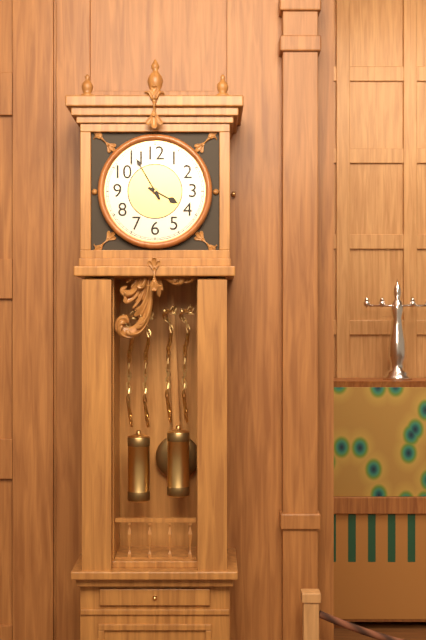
3:55
